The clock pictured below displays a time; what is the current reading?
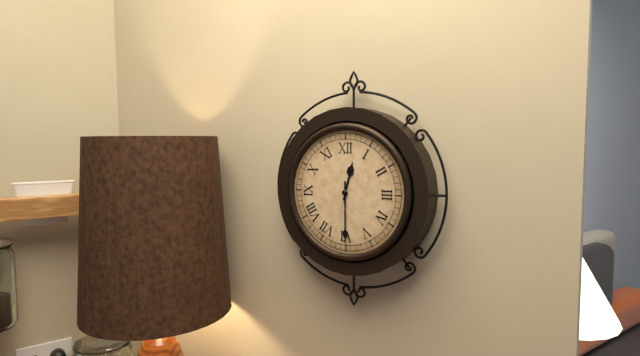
12:30
